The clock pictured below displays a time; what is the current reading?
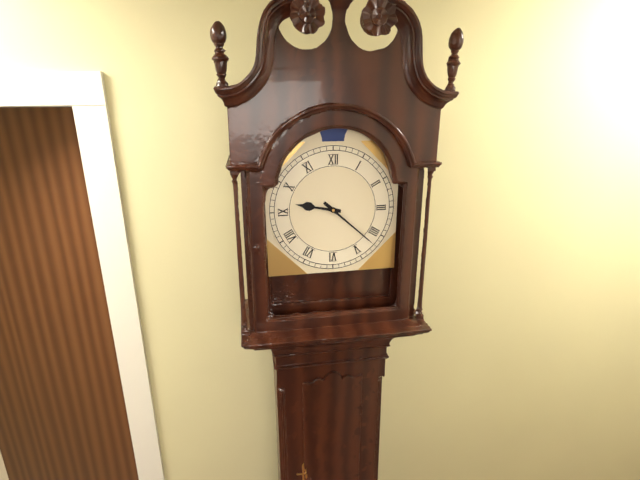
9:22
